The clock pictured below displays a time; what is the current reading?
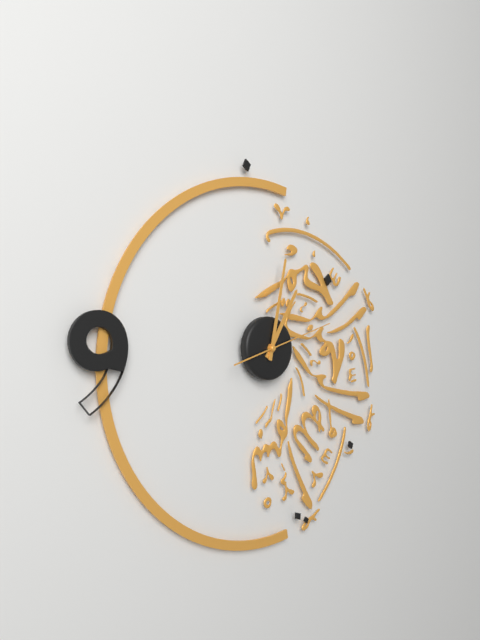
1:02:12
